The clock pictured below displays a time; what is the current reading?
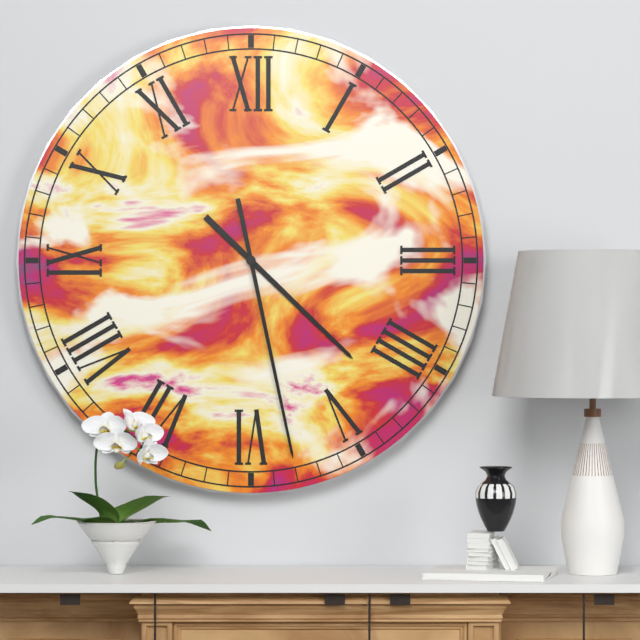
4:28
